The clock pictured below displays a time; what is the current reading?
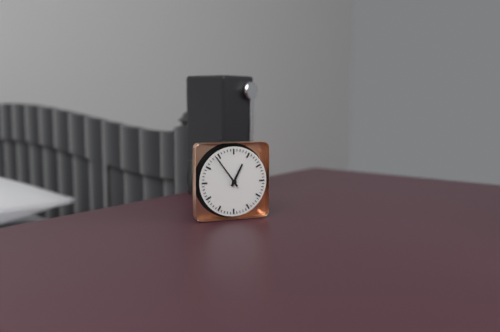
12:54
